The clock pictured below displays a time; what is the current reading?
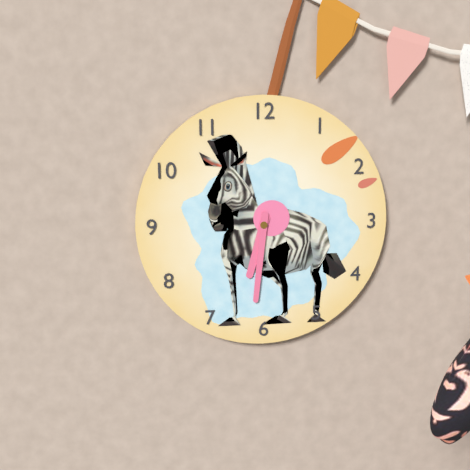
6:31
